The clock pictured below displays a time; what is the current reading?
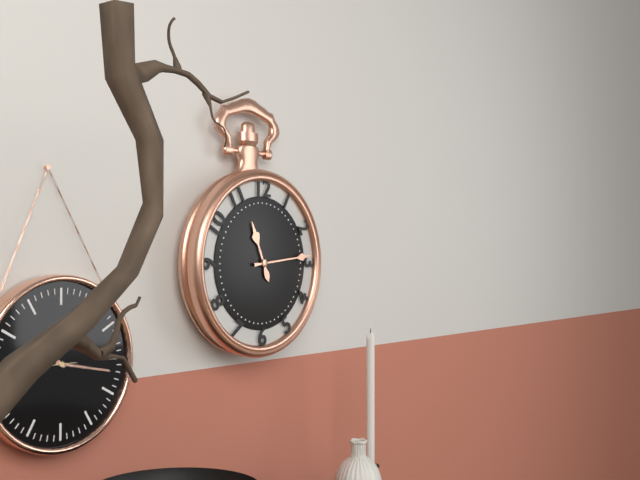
11:14
